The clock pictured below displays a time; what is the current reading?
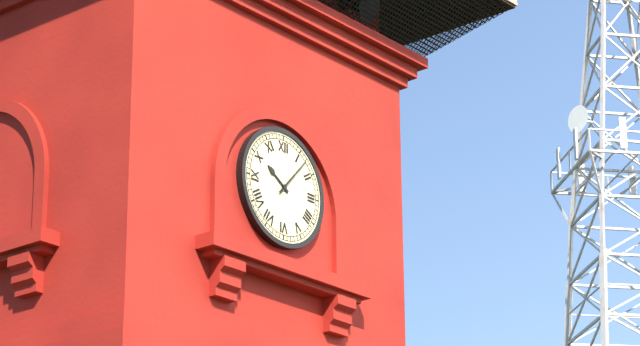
10:07
